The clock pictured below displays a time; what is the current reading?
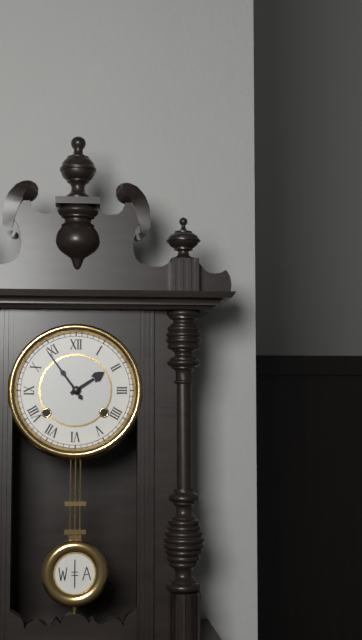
1:54
